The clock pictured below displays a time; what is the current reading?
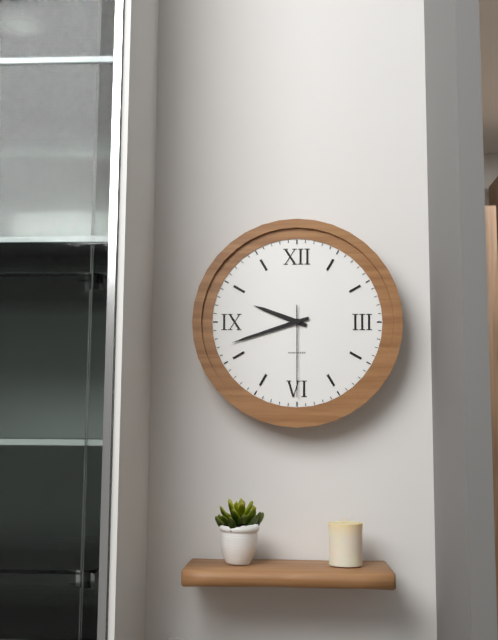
9:42:30
